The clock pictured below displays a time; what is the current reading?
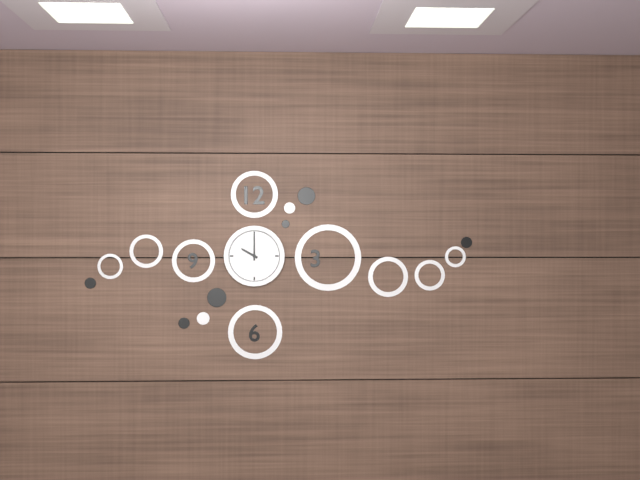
10:00
